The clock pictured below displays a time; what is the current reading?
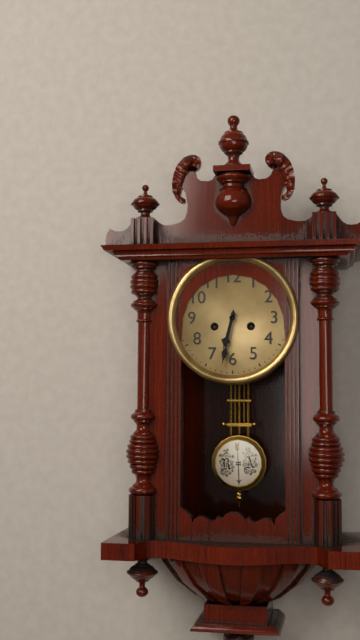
6:32
